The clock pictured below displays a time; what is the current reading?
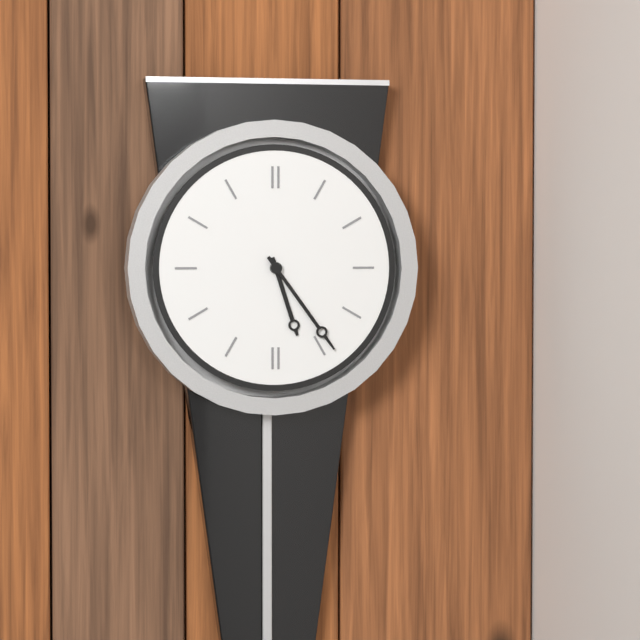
5:24
